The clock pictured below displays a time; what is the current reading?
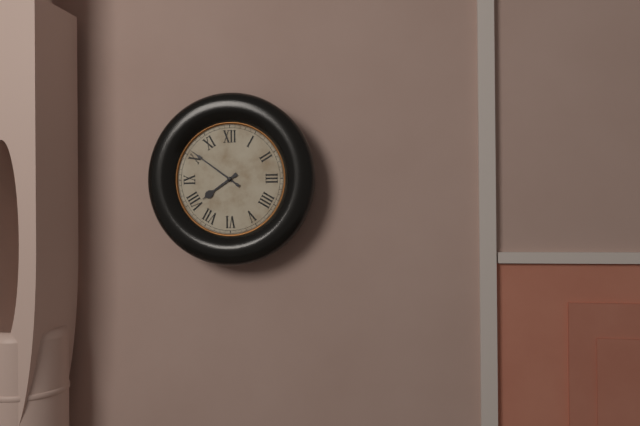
7:51
